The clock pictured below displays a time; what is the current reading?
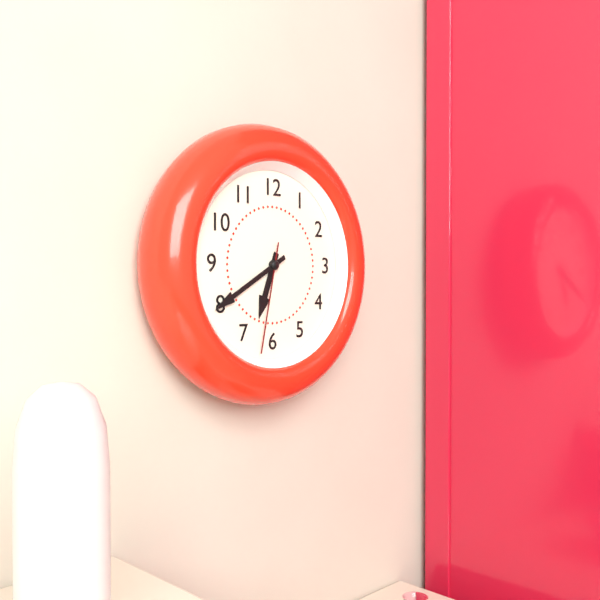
6:40:32
